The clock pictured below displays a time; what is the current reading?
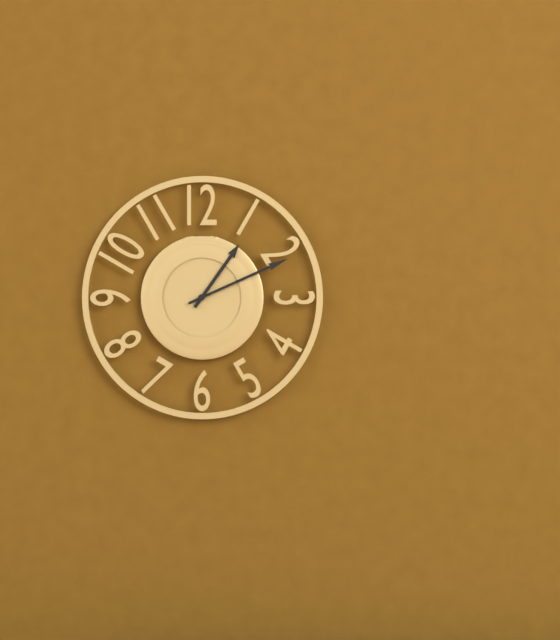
1:11
